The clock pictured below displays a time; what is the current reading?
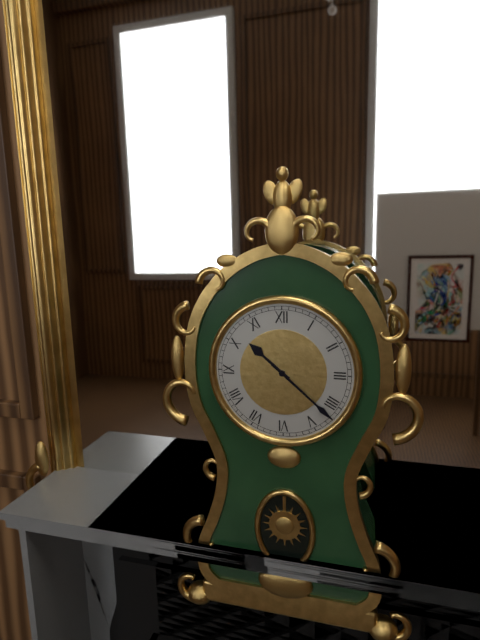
10:22
